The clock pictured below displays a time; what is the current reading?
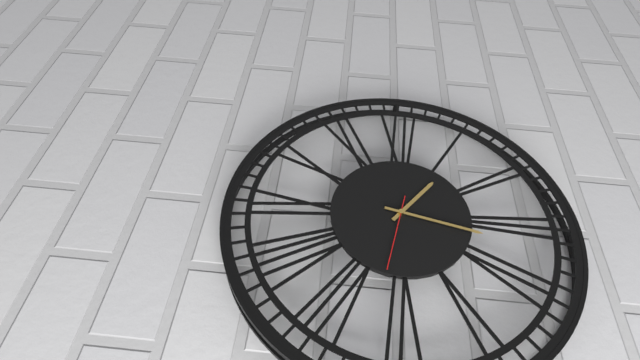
1:17:32
